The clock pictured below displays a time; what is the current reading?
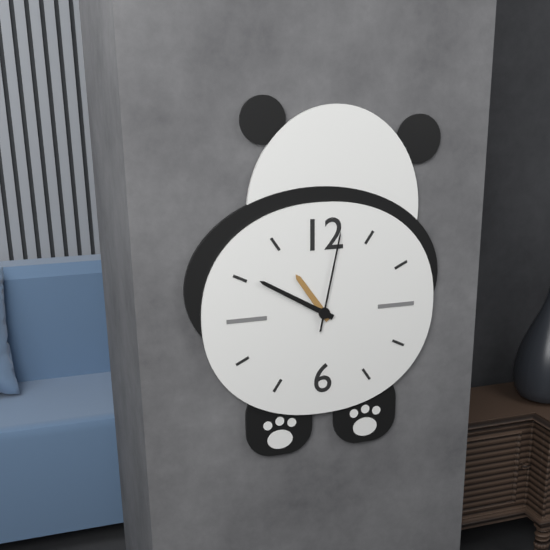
10:50:02
